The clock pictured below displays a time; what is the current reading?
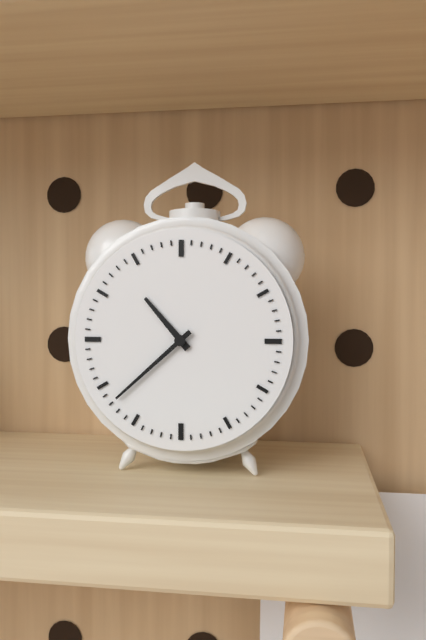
10:38
